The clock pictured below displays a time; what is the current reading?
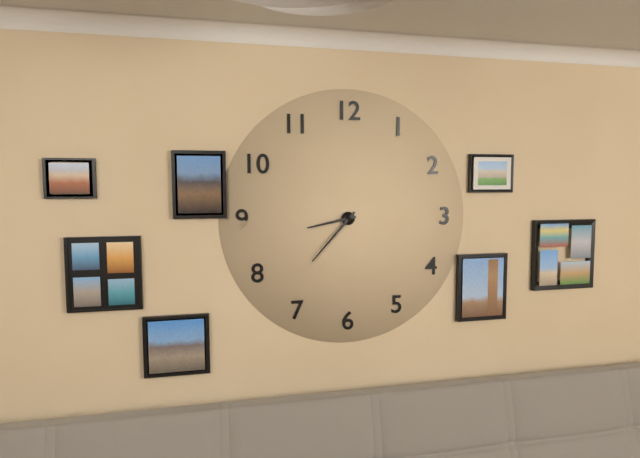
8:37
